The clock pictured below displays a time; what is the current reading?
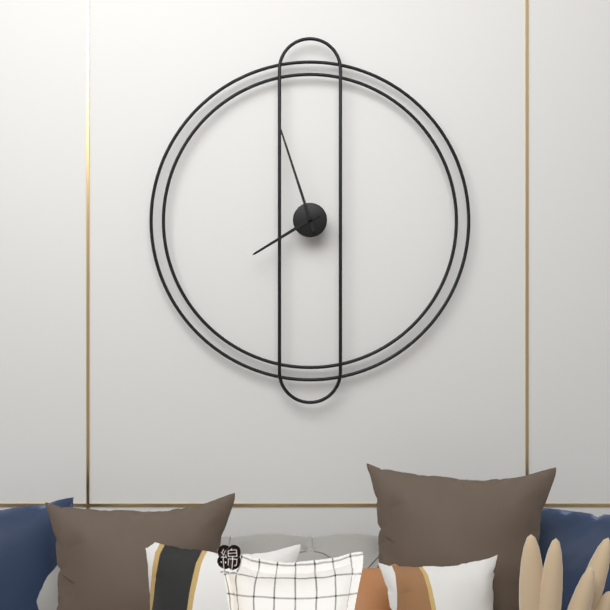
7:57
